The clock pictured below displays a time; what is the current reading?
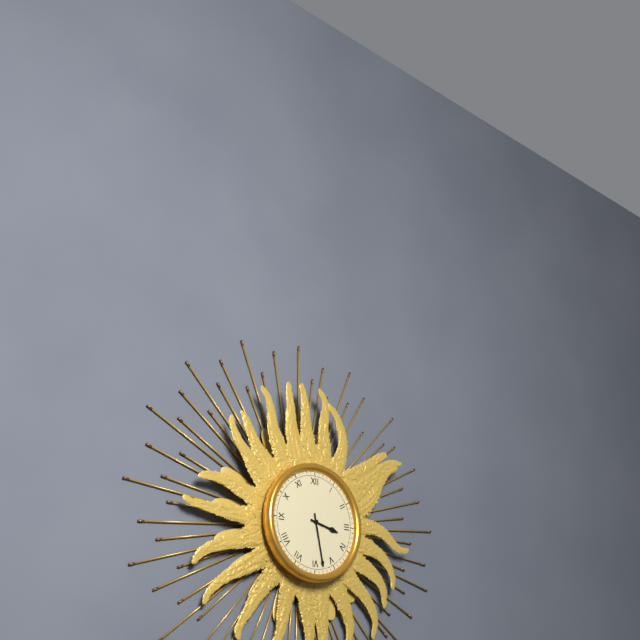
3:28
